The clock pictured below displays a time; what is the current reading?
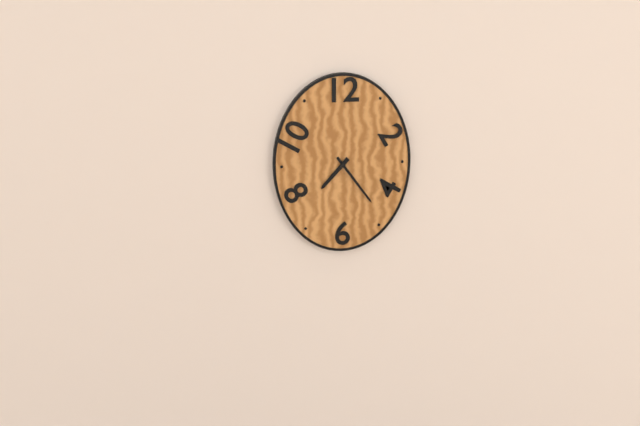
7:24
